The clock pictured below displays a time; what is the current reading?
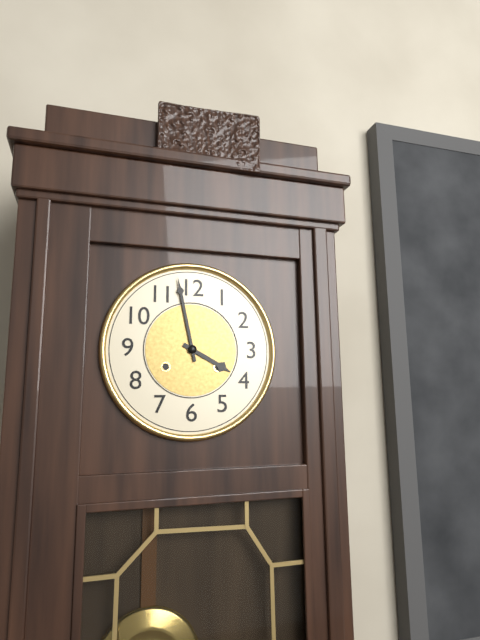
3:58
